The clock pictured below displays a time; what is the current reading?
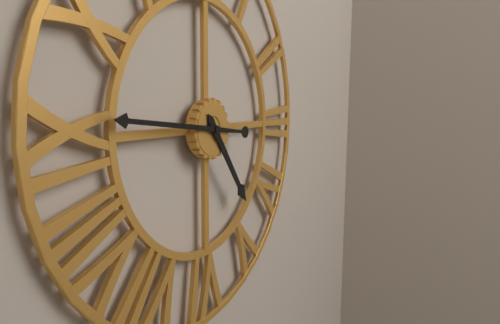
4:46
